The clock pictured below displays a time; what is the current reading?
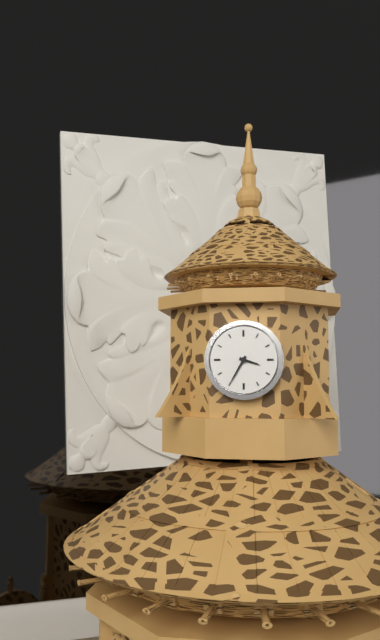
3:35
